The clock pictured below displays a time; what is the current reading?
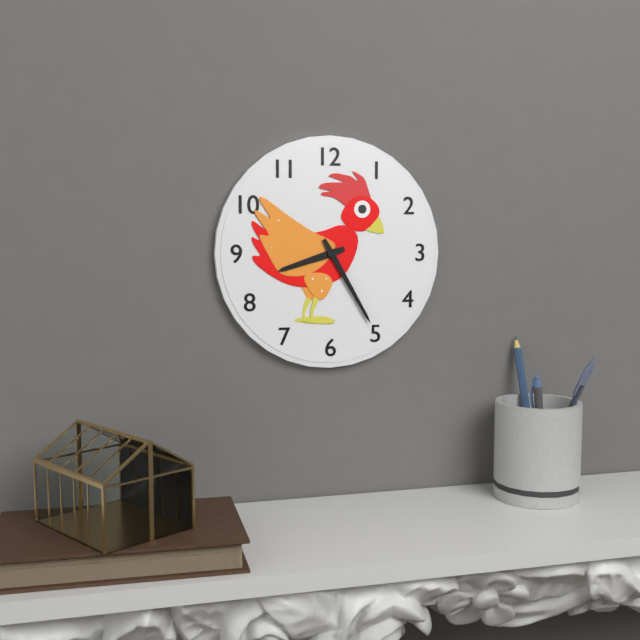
8:25
